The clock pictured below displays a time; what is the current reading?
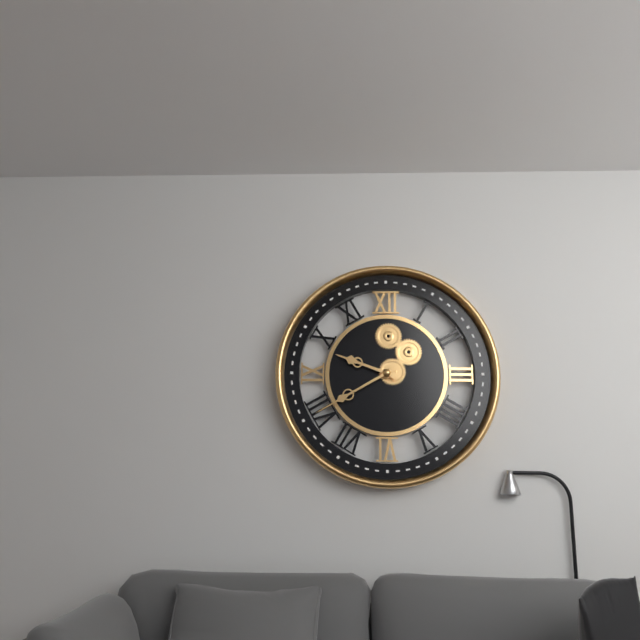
9:40
